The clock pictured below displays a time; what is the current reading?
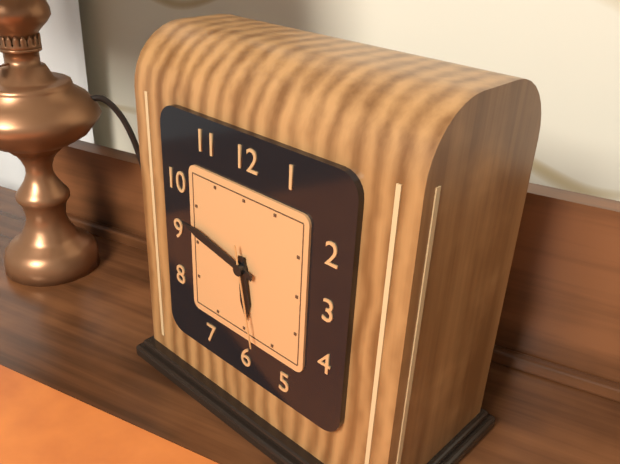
5:47:28
